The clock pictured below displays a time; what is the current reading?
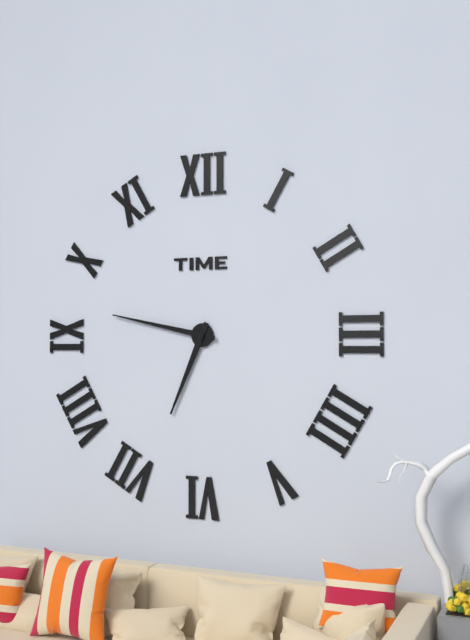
6:47
